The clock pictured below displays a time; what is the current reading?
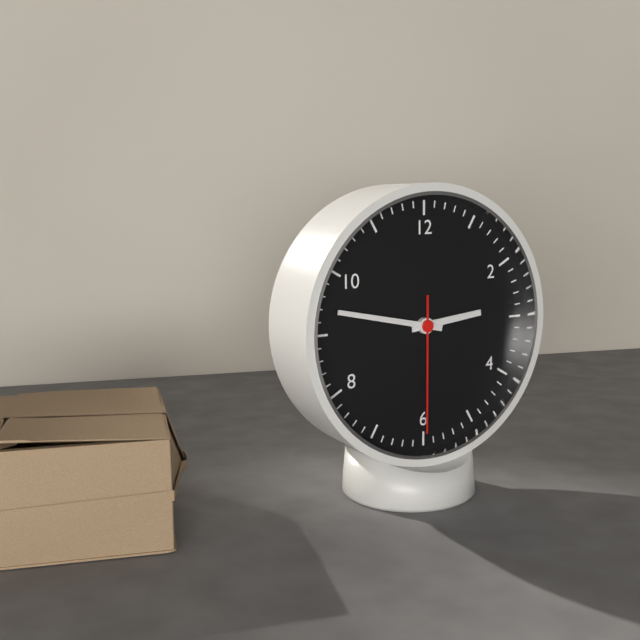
2:47:30
